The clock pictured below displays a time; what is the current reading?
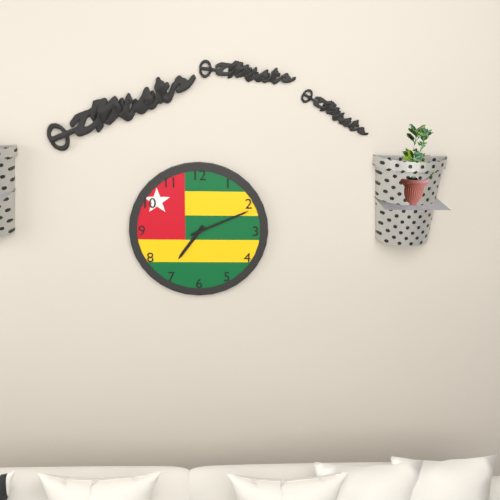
7:11
